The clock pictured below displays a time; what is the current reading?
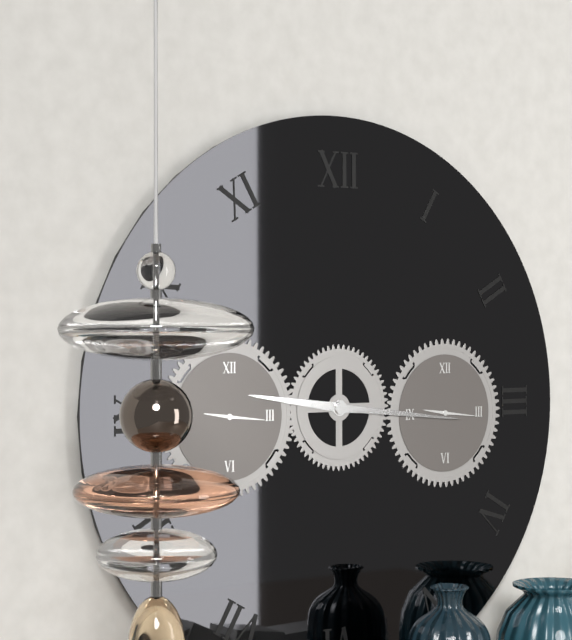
9:16
